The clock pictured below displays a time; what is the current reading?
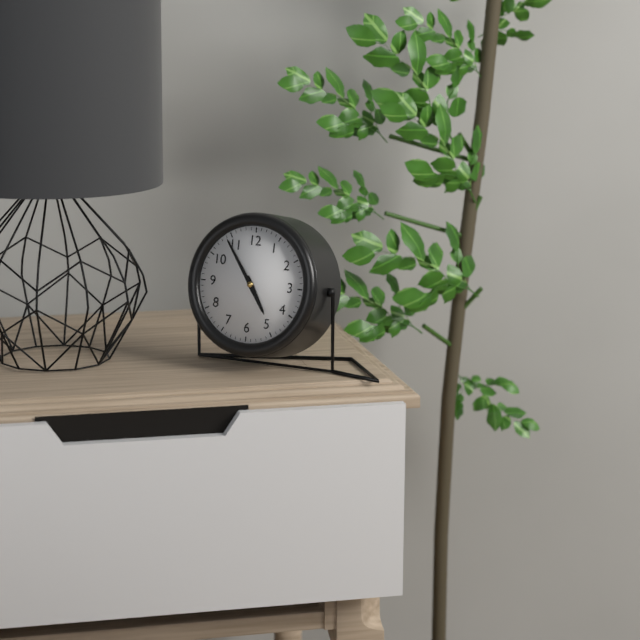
4:54
